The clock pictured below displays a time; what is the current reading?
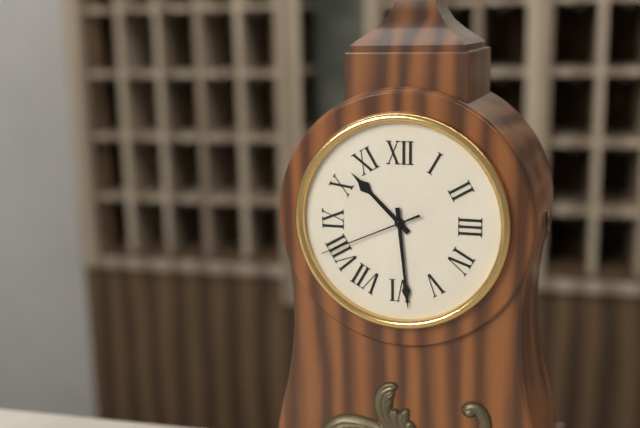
10:29:41
